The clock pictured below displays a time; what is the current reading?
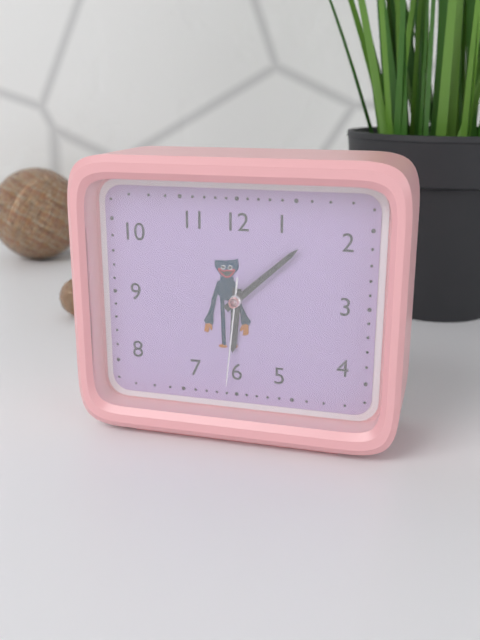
6:08:31
